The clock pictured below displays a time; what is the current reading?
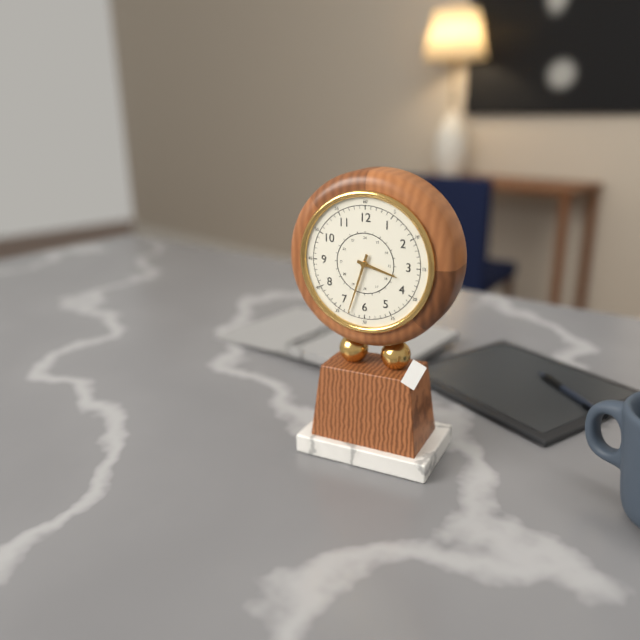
3:33
